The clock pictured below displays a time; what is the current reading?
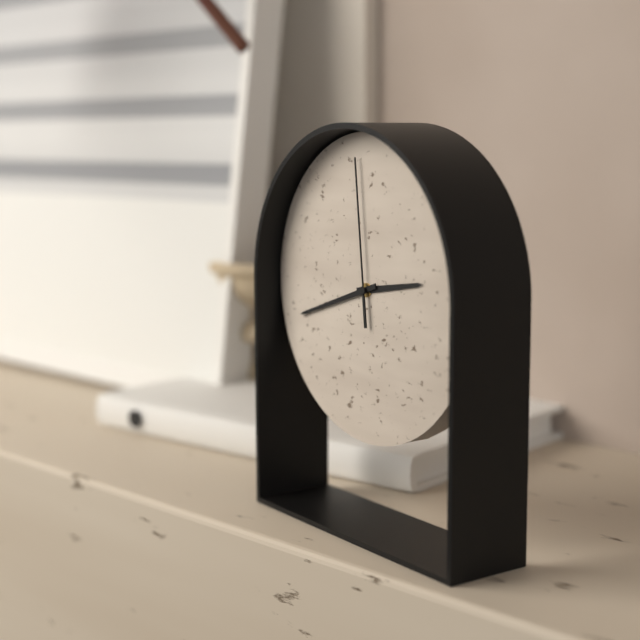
2:42:59
